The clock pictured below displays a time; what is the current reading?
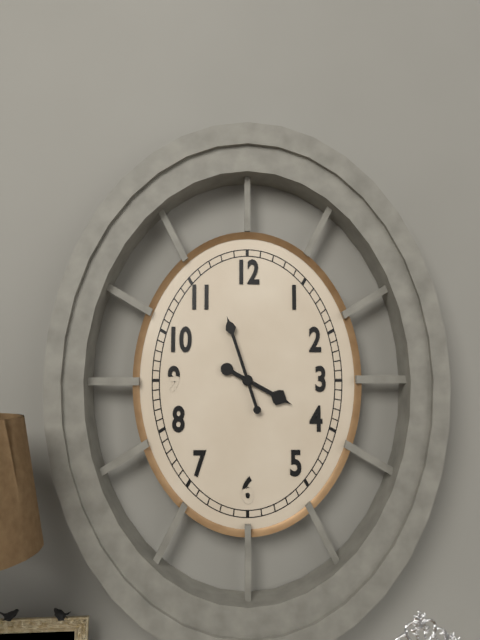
3:57
